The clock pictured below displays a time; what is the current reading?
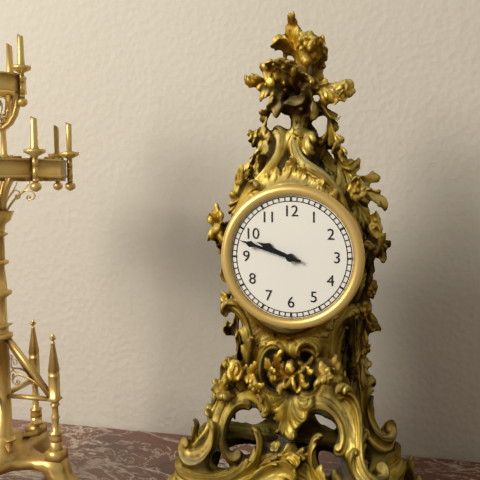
9:48
